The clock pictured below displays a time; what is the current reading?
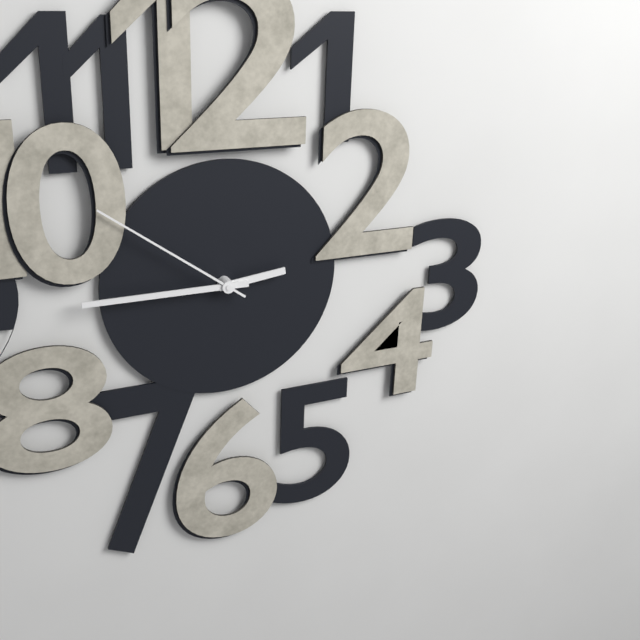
2:45:51
